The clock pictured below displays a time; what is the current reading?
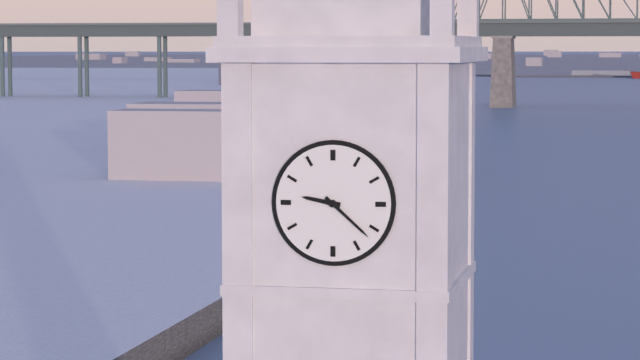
9:22
